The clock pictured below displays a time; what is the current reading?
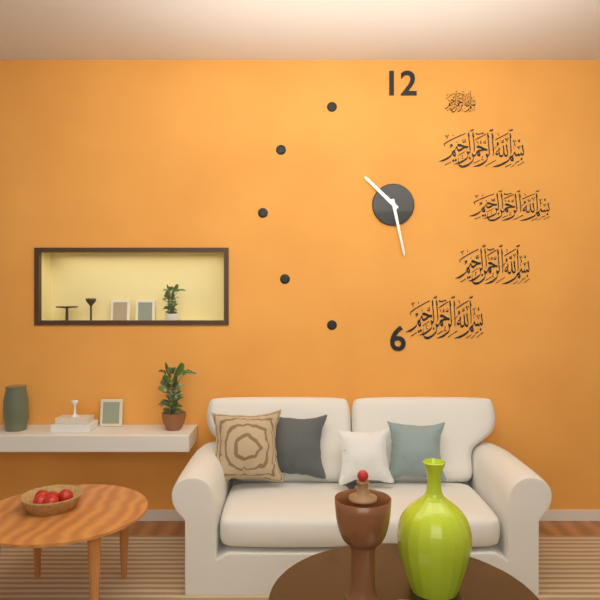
10:28
